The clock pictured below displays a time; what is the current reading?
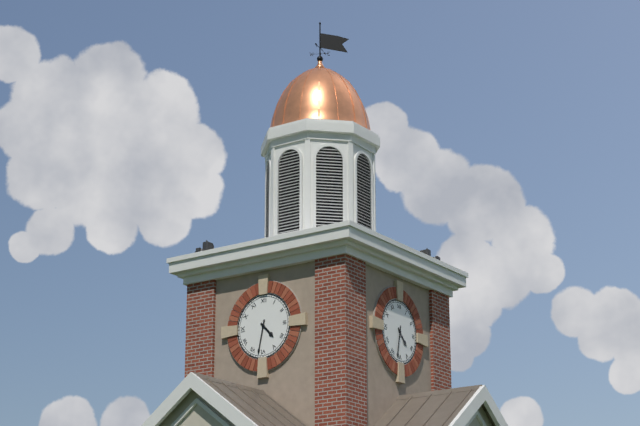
4:32
